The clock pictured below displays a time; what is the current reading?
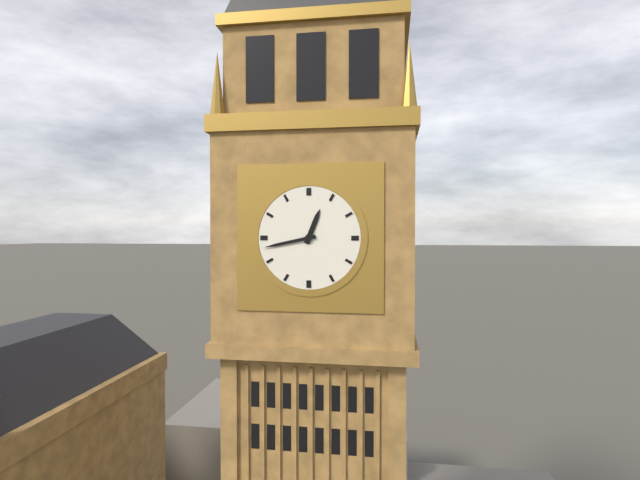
12:43
